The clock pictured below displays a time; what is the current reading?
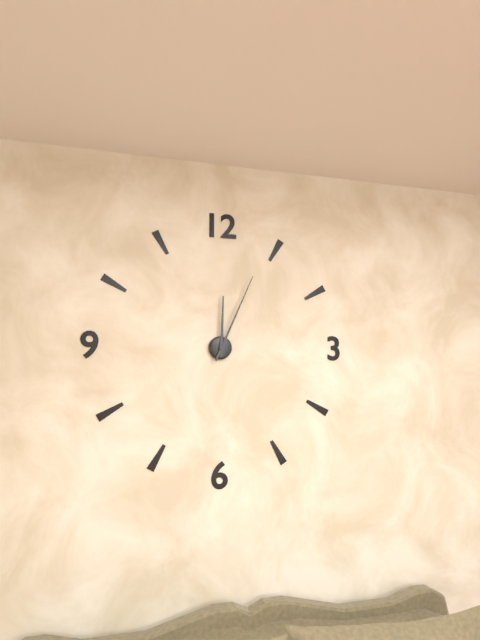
12:04
